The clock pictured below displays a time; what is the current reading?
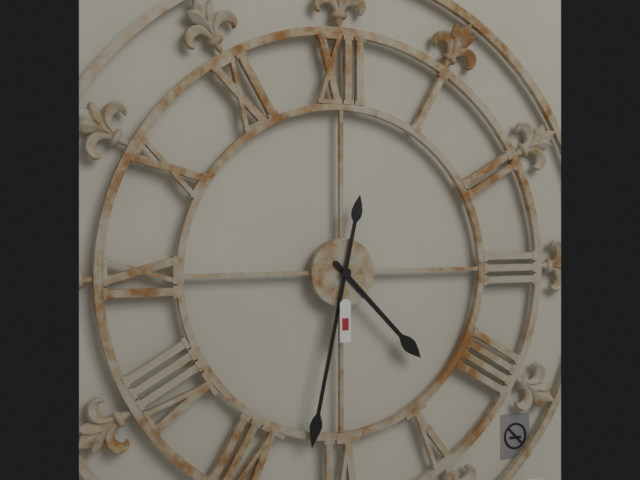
4:32
